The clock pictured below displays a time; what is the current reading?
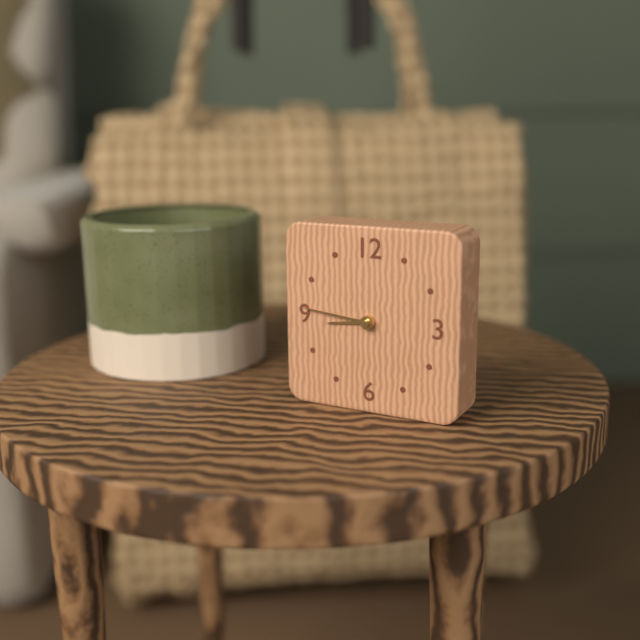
8:46
